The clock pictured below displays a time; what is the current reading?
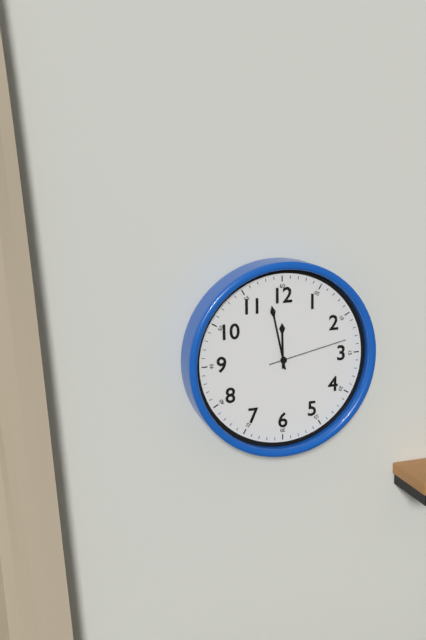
11:58:13
